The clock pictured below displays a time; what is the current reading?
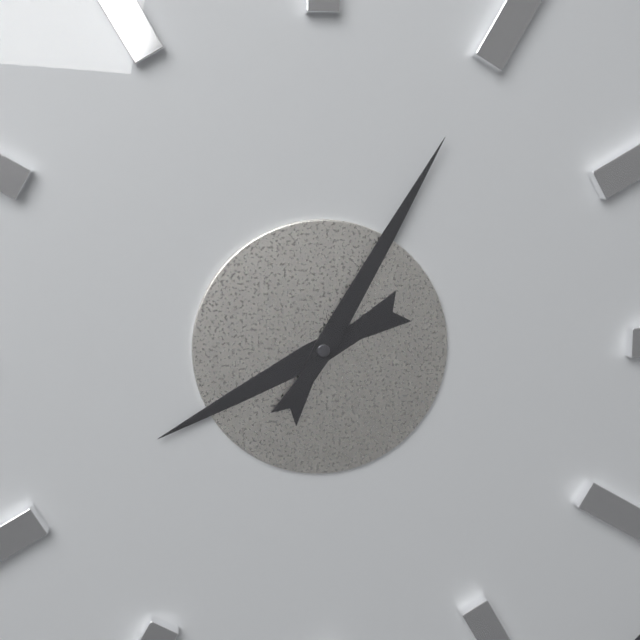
8:05
